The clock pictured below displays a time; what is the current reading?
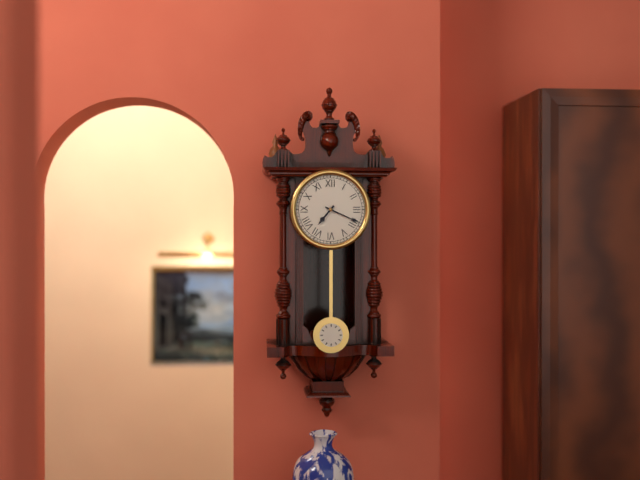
7:19
